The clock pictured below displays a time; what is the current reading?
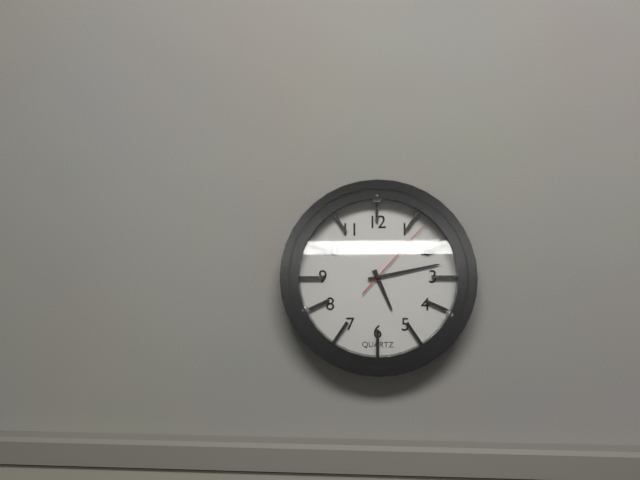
5:13:07
